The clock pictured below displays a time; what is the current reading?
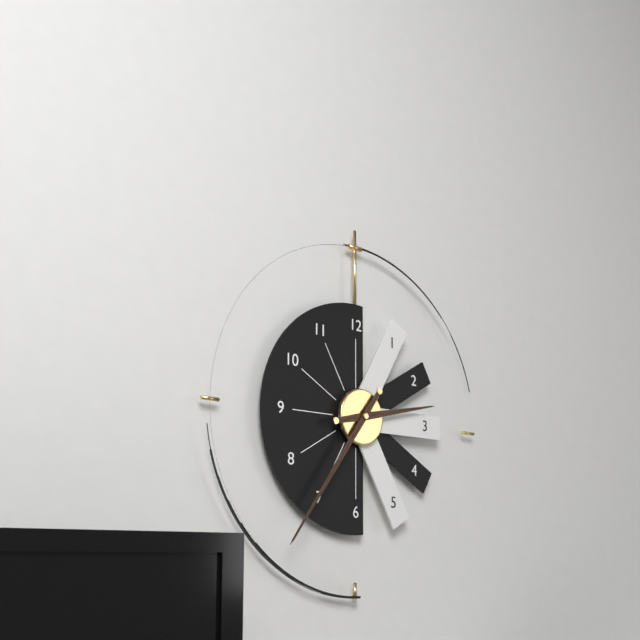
2:36
